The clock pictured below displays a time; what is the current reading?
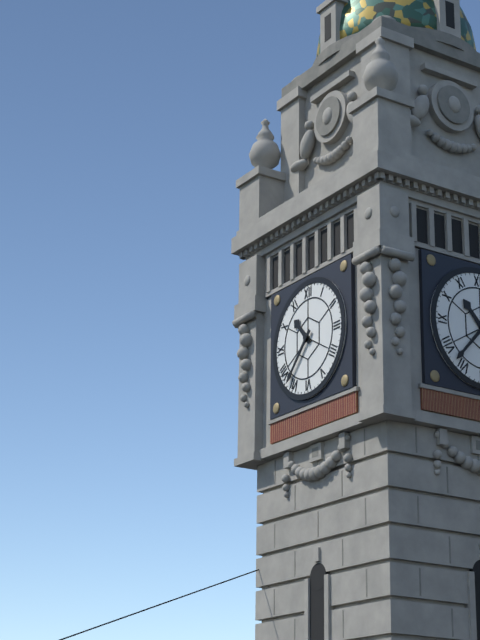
10:37
